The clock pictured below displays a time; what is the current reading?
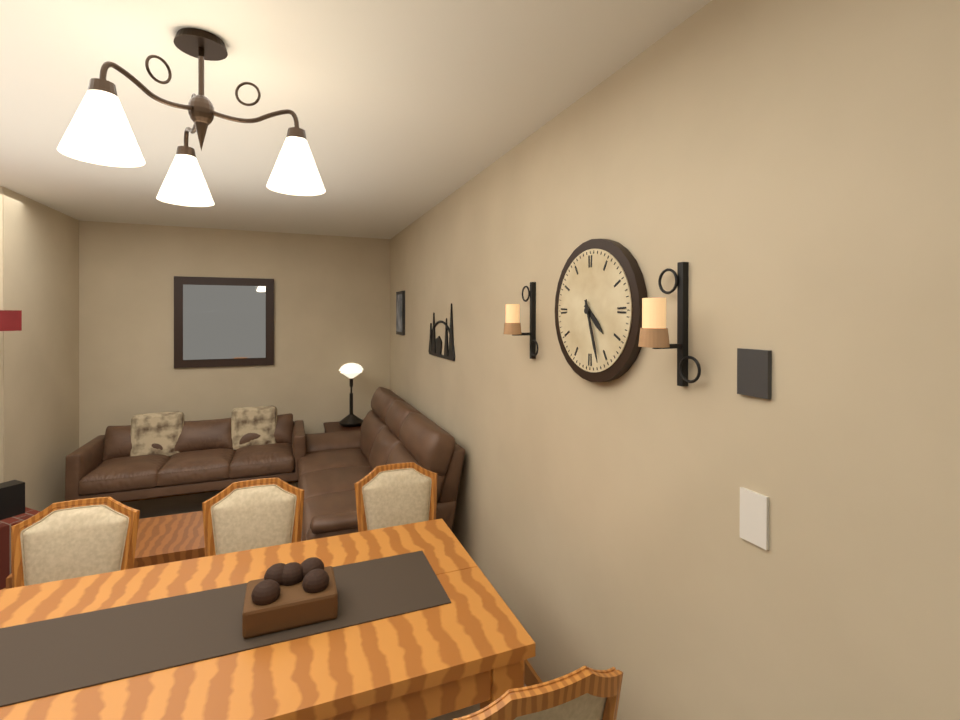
4:27
